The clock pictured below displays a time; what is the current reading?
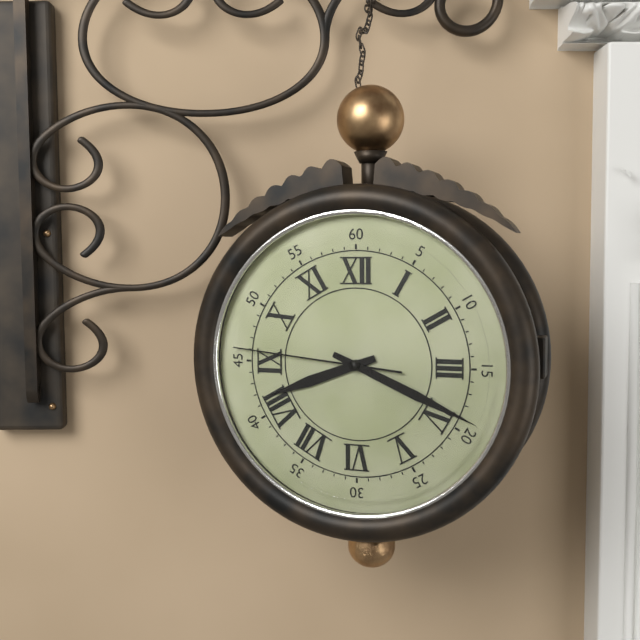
8:19:46
